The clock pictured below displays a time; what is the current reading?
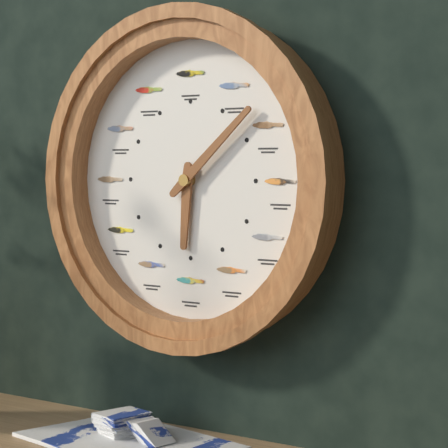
6:08
